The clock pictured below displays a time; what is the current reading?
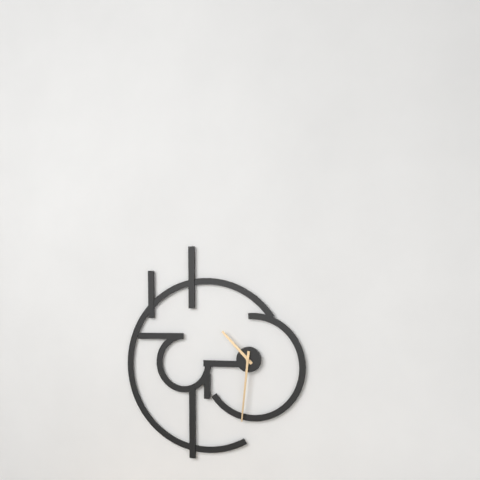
10:31
